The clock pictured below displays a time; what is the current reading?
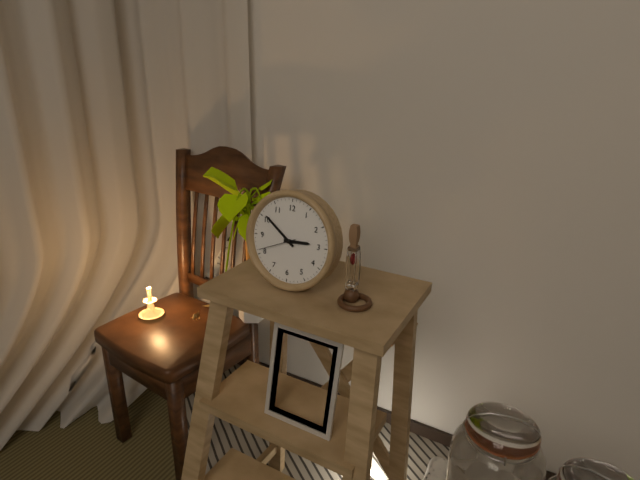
2:51
